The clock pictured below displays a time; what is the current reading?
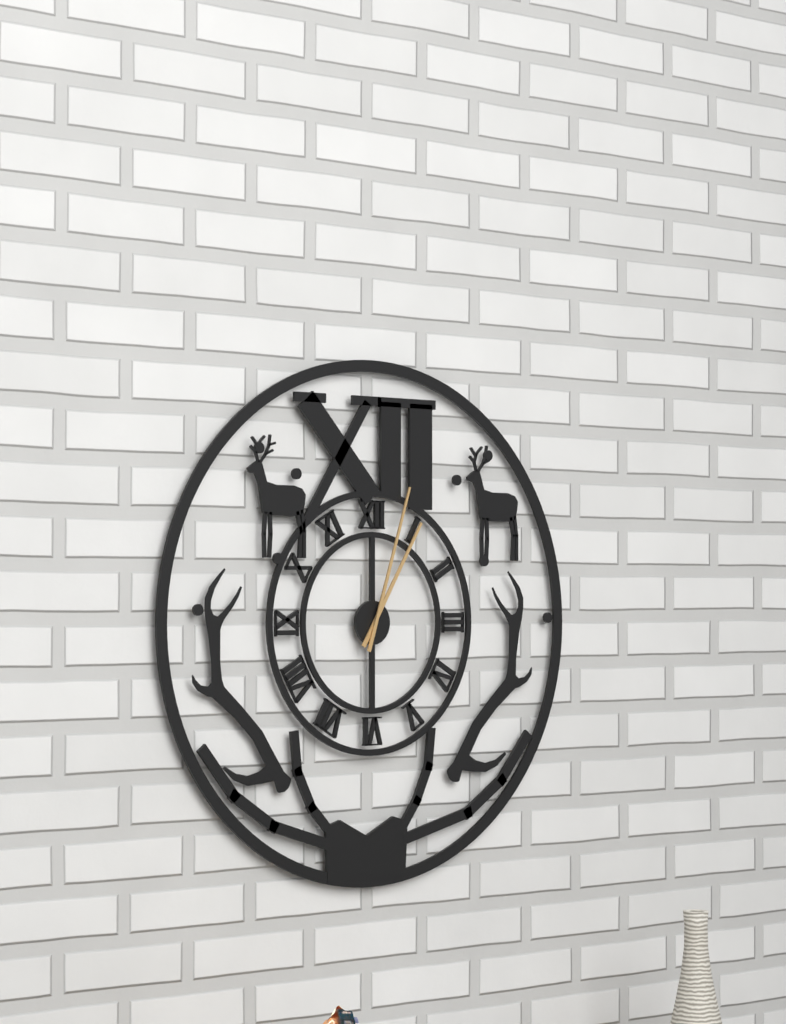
1:03
